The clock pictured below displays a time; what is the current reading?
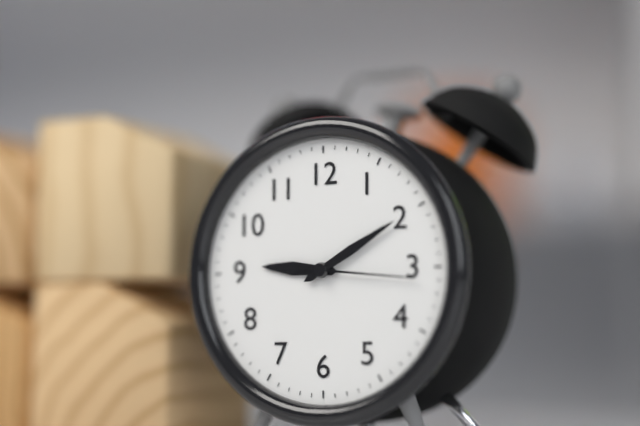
9:10:16
